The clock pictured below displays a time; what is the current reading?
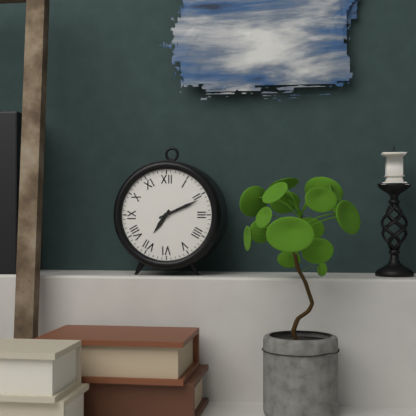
7:11
